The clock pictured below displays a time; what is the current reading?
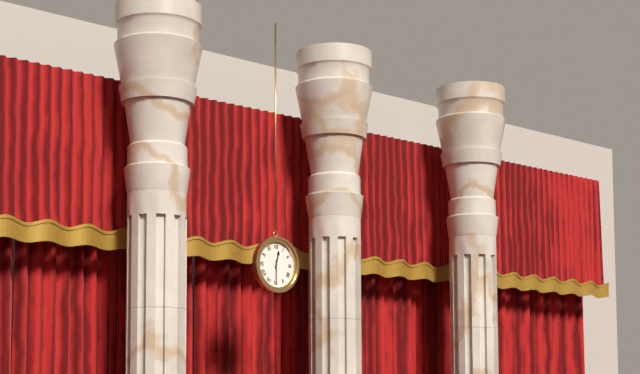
12:30
